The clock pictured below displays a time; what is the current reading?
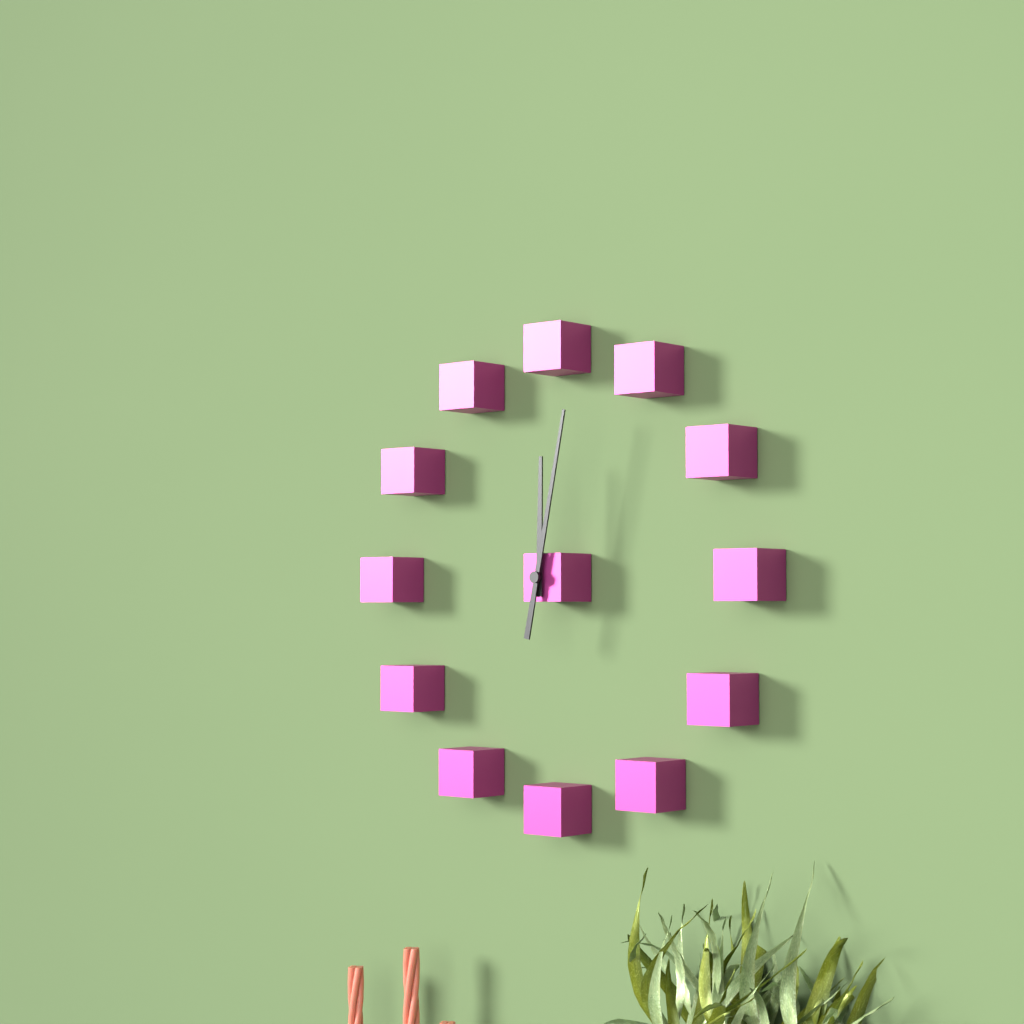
12:02
